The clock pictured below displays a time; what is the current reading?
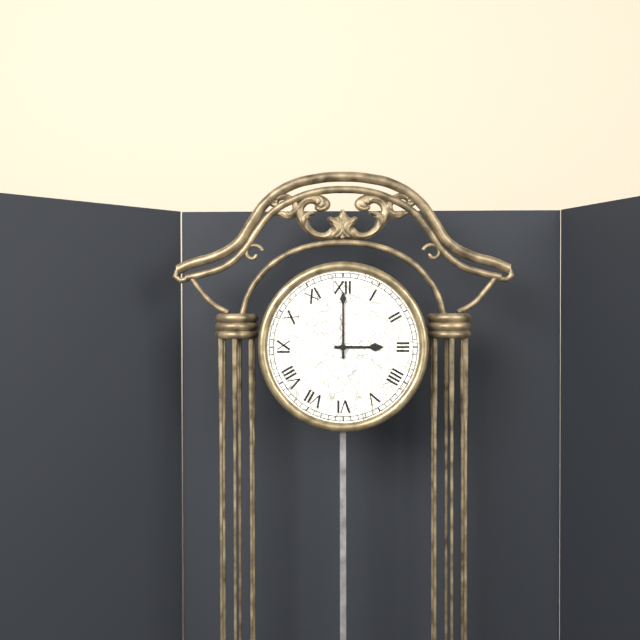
3:00
